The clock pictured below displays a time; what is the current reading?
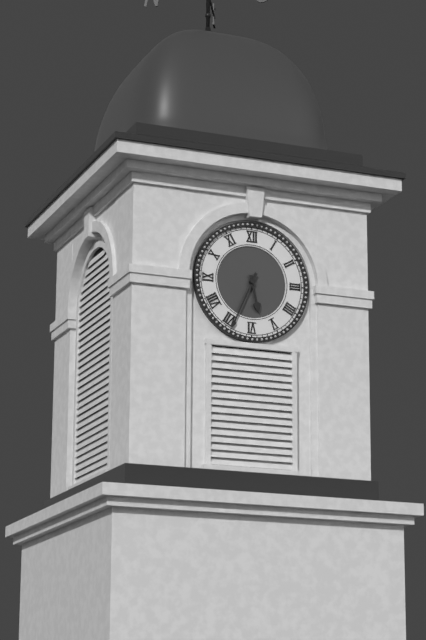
5:34
